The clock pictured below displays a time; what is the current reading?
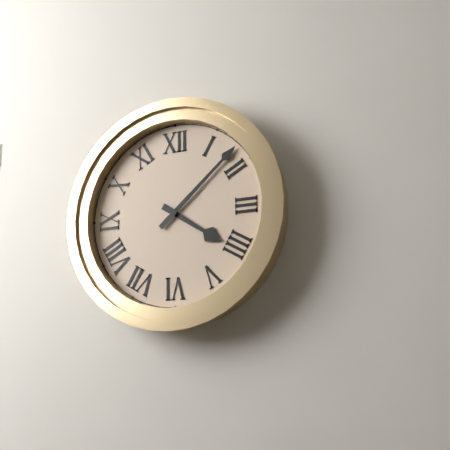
4:08
